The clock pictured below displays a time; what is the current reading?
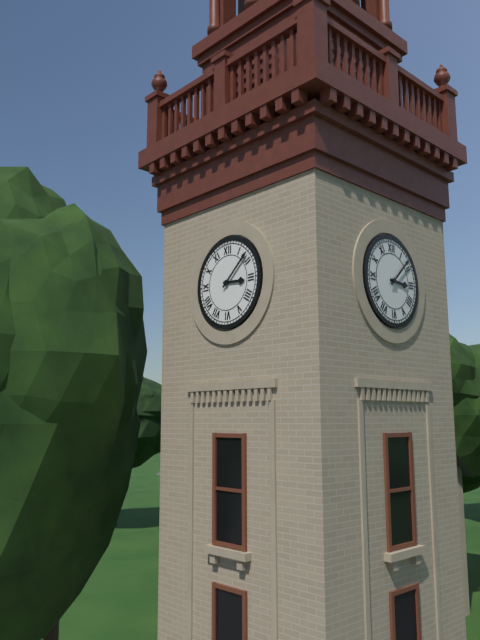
3:08
